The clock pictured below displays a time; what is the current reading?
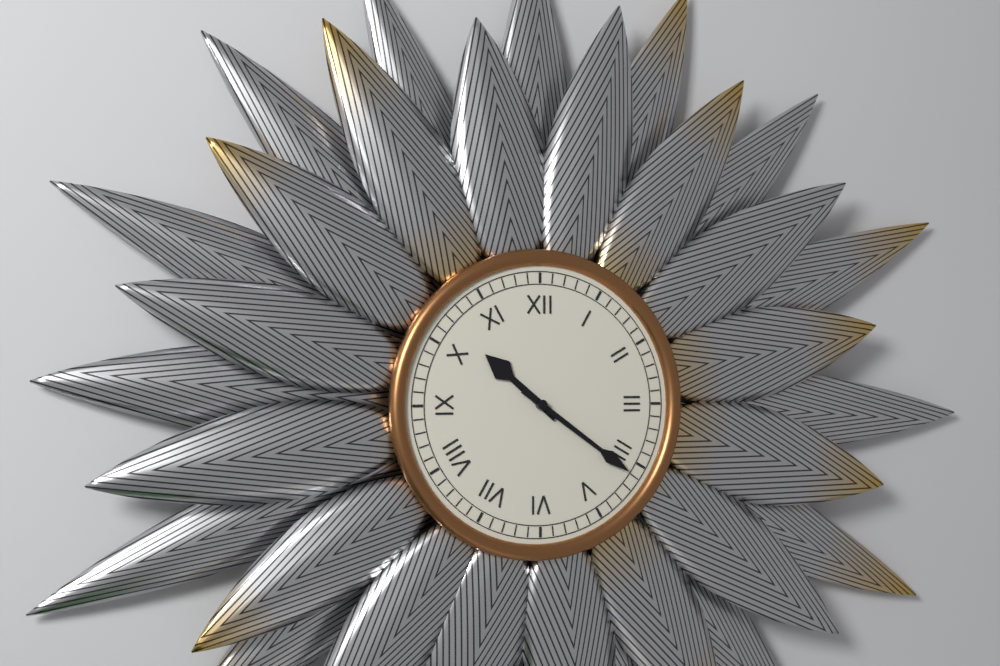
10:21
